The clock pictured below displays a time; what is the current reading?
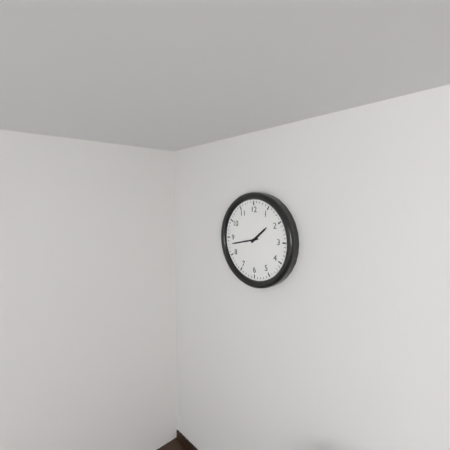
1:43
